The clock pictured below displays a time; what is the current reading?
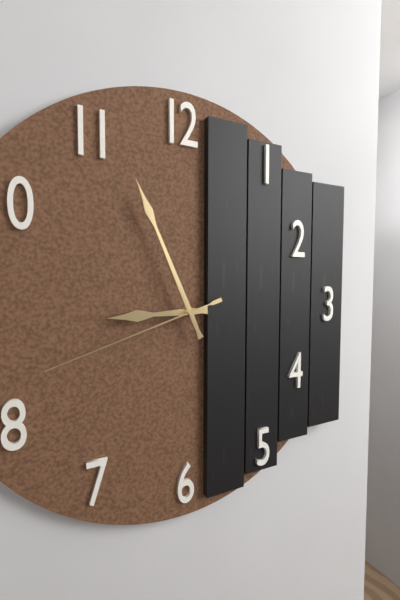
8:56:42
